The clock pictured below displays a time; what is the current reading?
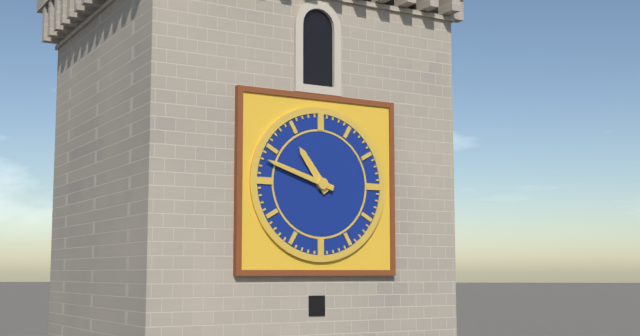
10:48
